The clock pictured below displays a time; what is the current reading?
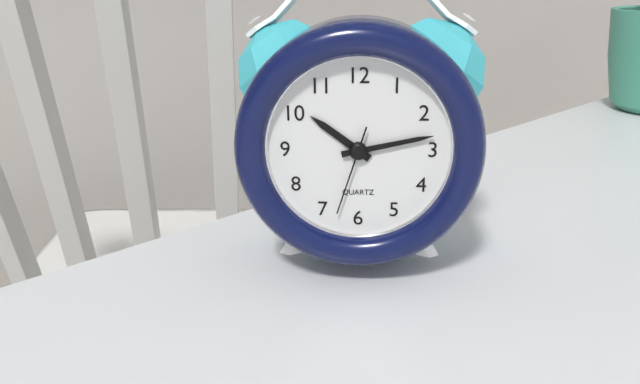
10:13:33
